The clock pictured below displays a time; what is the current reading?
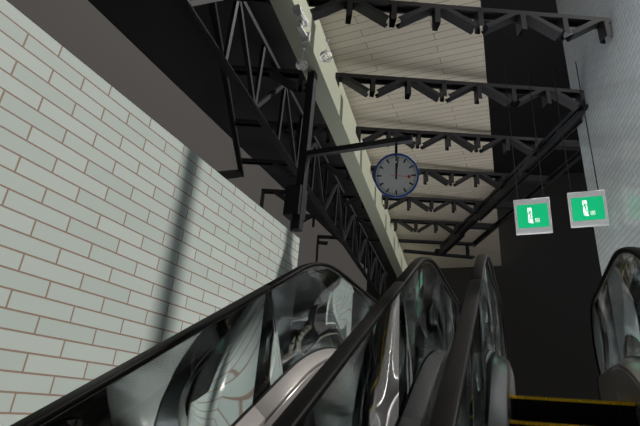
12:01
